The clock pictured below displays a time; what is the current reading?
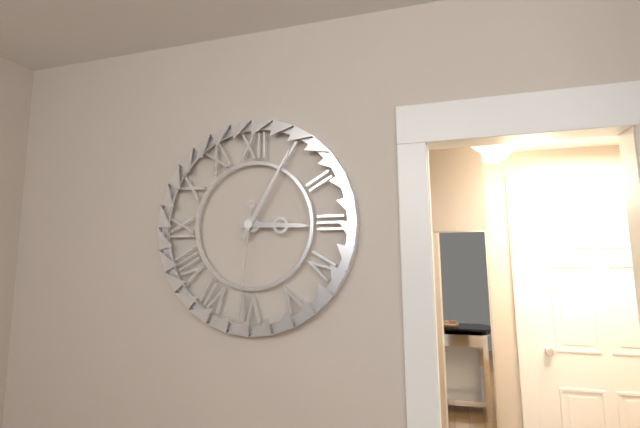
3:05:31
